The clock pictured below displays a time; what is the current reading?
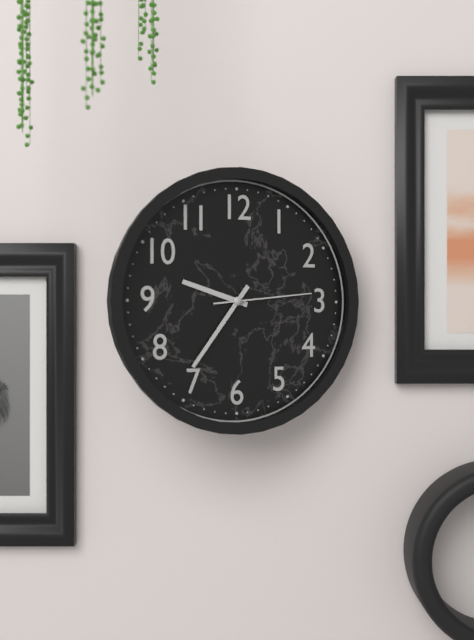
9:36:14
